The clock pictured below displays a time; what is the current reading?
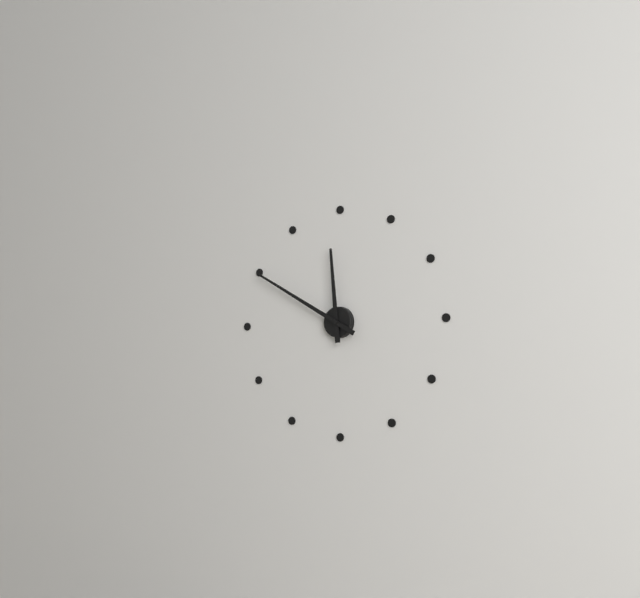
11:50
